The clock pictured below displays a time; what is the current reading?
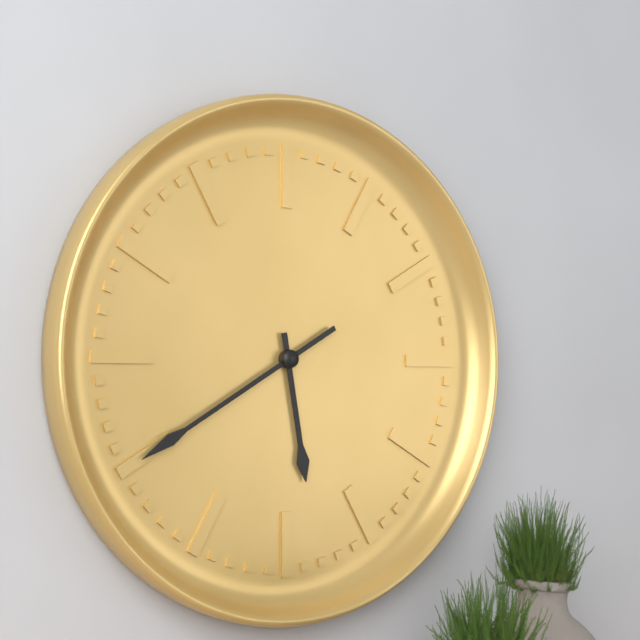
5:40
